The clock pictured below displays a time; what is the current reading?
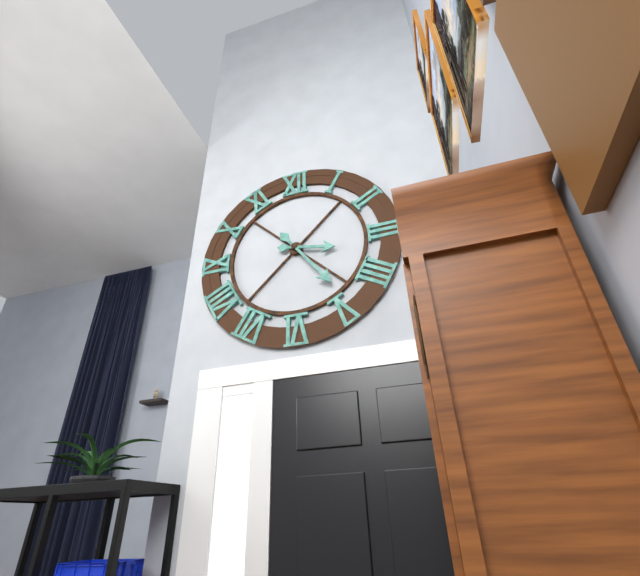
3:24
